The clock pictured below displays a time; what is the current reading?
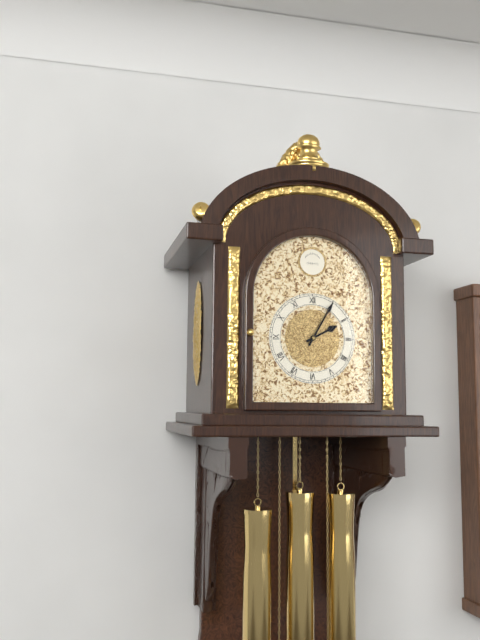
2:05
